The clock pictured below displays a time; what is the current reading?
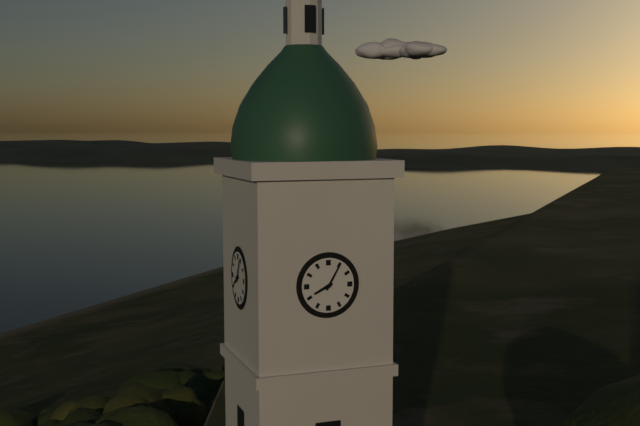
8:05
